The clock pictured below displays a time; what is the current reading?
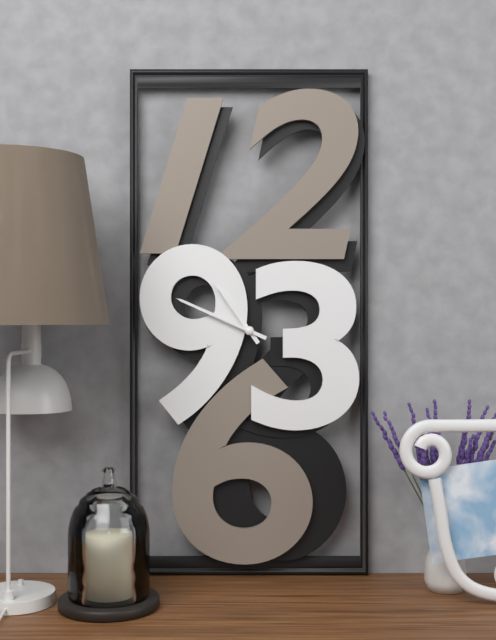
10:49
